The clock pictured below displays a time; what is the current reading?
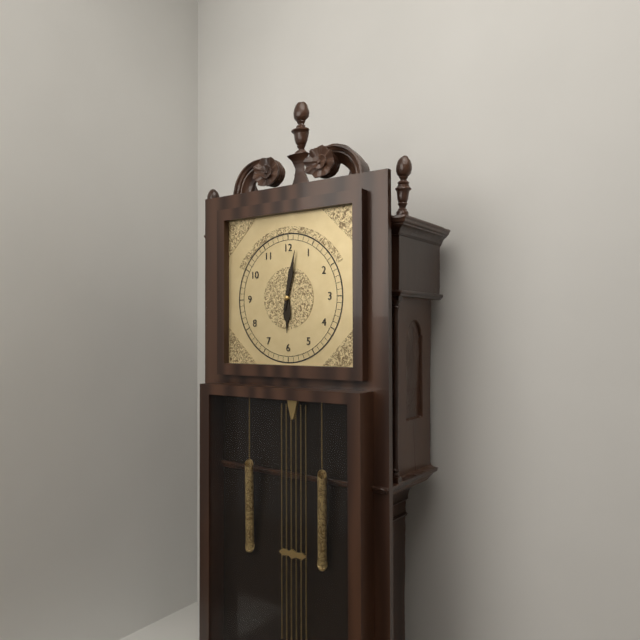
6:02
